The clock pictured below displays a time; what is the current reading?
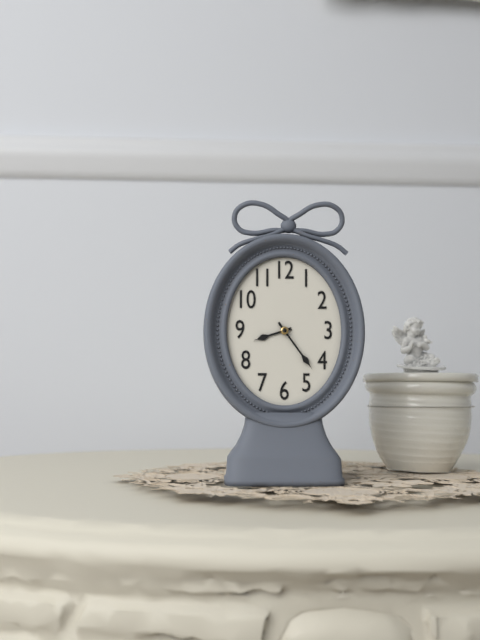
8:24
